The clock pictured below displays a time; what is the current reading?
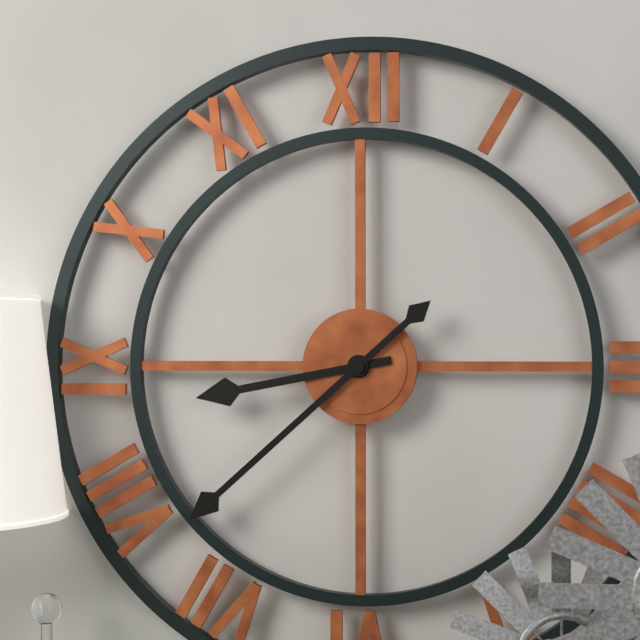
8:38
